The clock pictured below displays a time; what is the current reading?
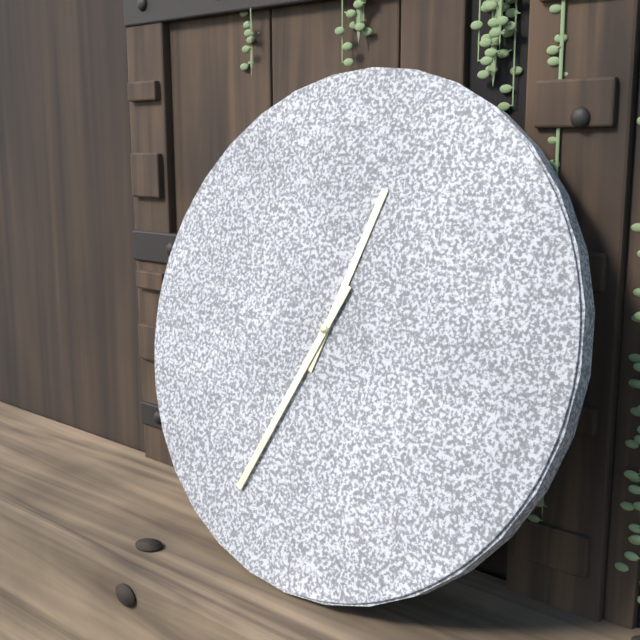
12:34
